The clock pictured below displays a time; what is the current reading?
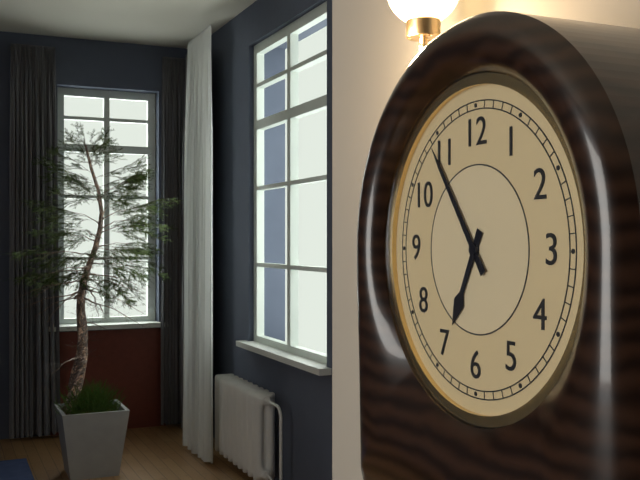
6:54
